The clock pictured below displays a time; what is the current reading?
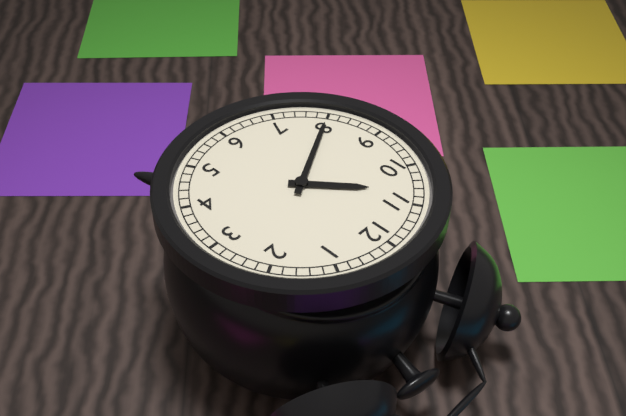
10:40
